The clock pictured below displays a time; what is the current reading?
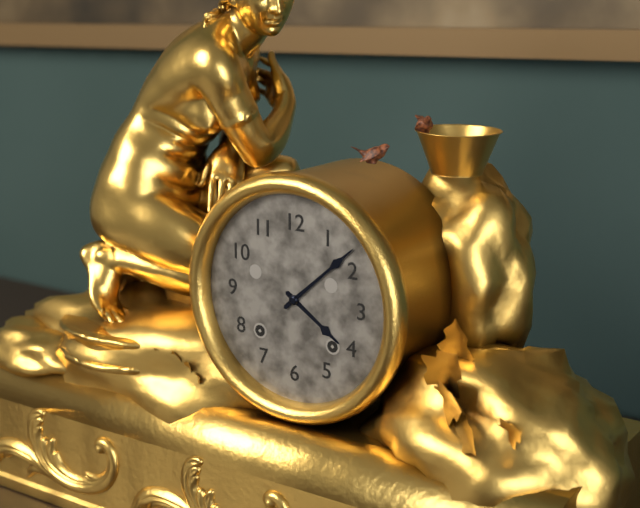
4:08
